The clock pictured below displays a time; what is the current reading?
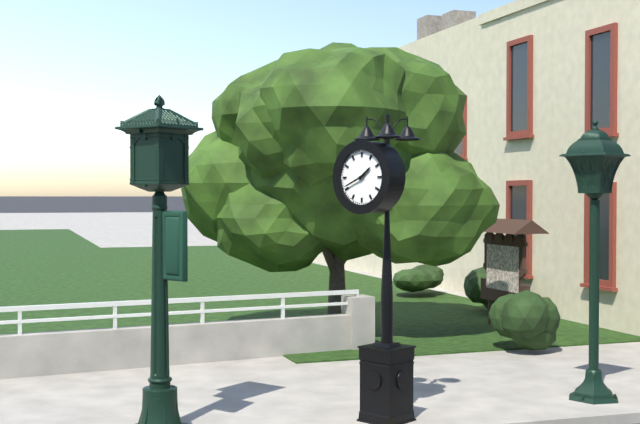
1:41
